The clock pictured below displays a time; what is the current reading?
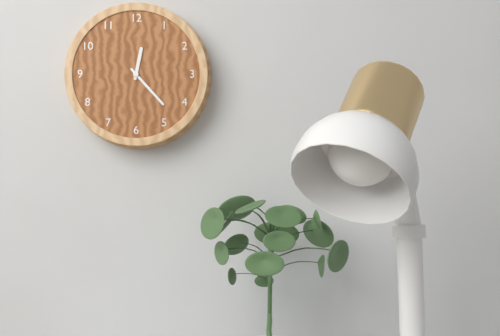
12:23
